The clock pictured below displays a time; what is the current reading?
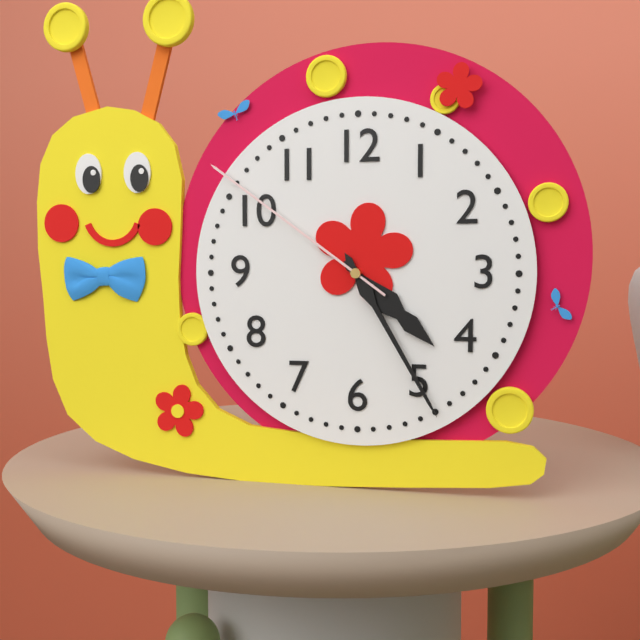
4:25:51
